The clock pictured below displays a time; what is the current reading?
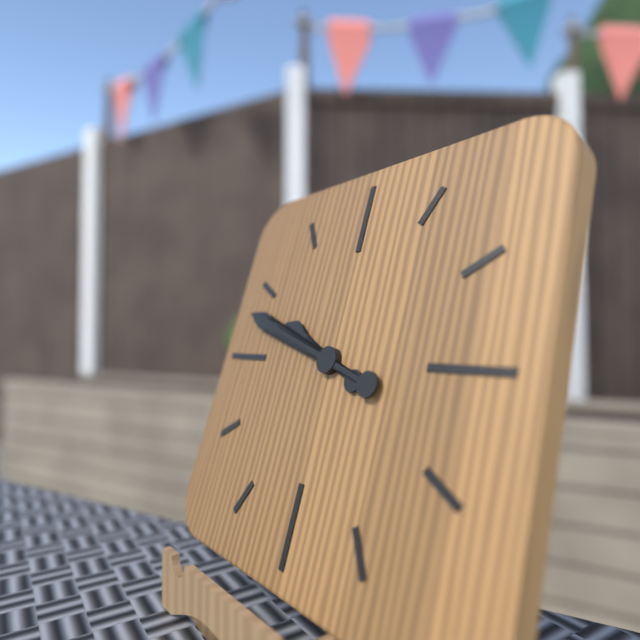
9:48
